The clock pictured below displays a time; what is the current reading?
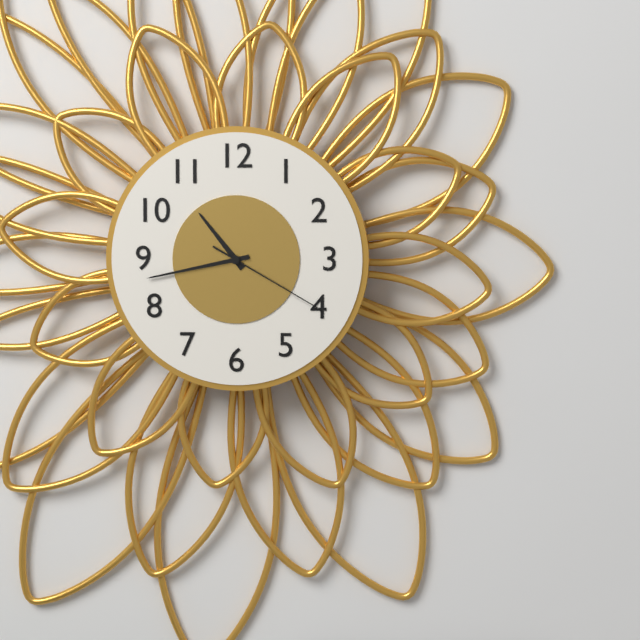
10:43:20
